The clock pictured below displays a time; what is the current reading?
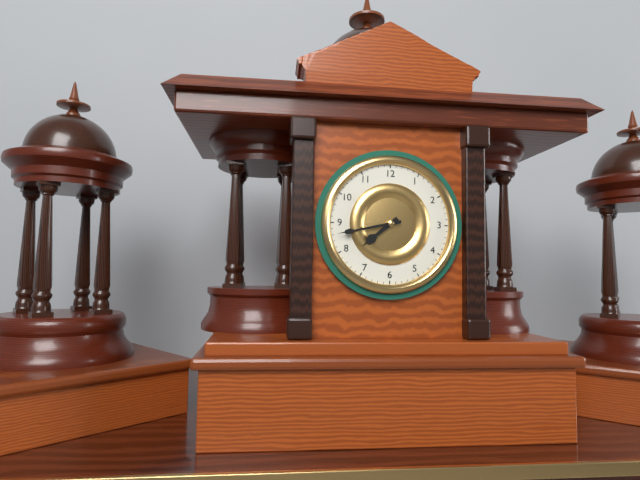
7:43
